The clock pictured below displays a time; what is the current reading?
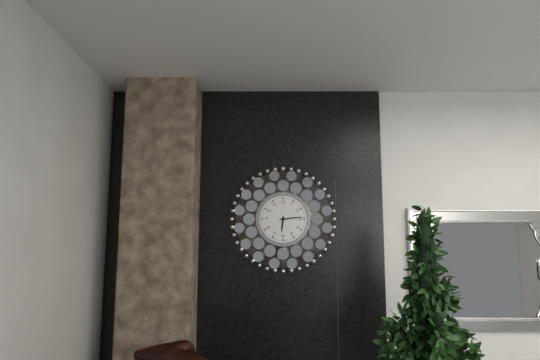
6:14
